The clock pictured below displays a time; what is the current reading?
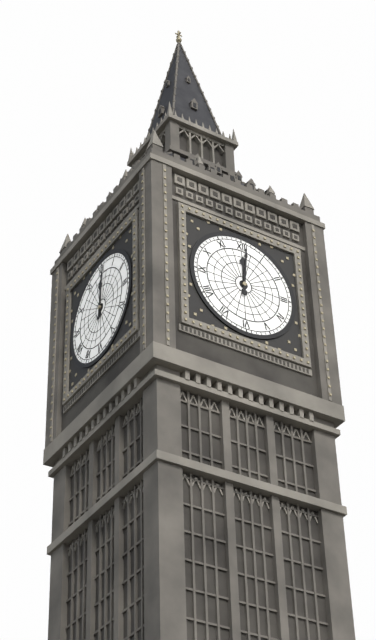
12:01
